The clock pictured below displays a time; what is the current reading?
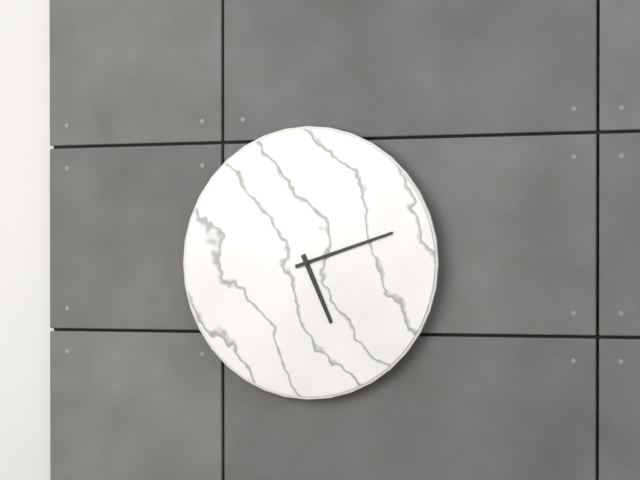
5:12
